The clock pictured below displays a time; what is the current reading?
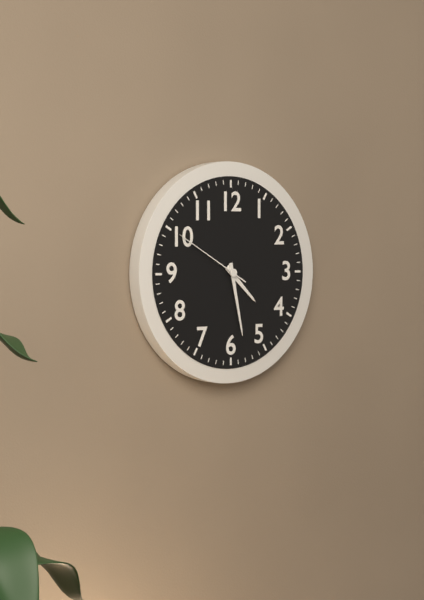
4:28:50
